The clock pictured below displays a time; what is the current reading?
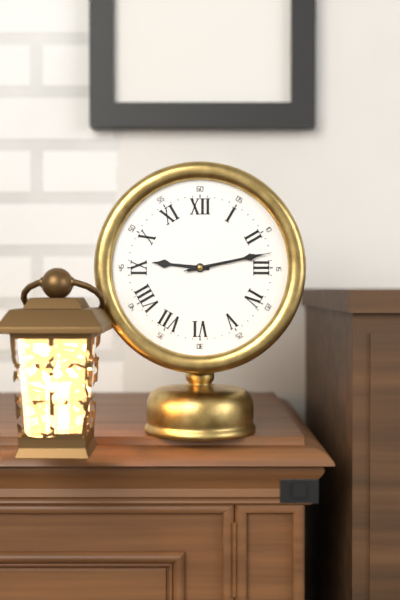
9:13:13
